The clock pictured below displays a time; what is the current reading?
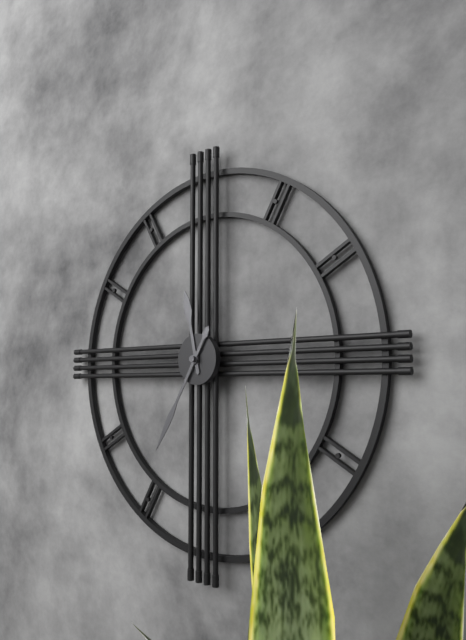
11:35
